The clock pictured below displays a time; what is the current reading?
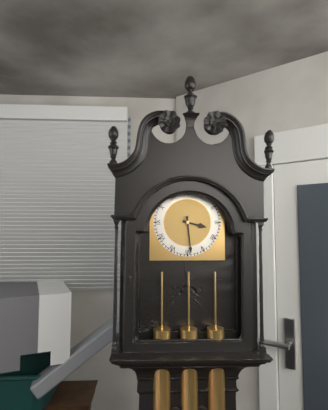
3:29
